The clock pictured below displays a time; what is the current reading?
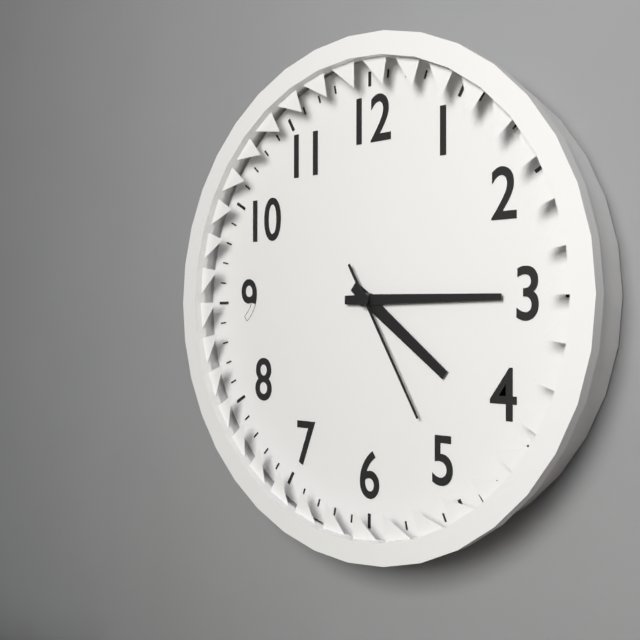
4:15:25
